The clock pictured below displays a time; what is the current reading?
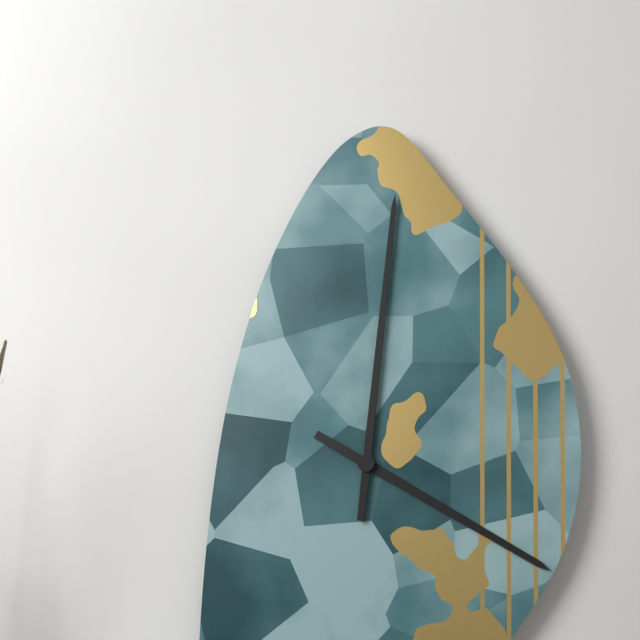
4:01
